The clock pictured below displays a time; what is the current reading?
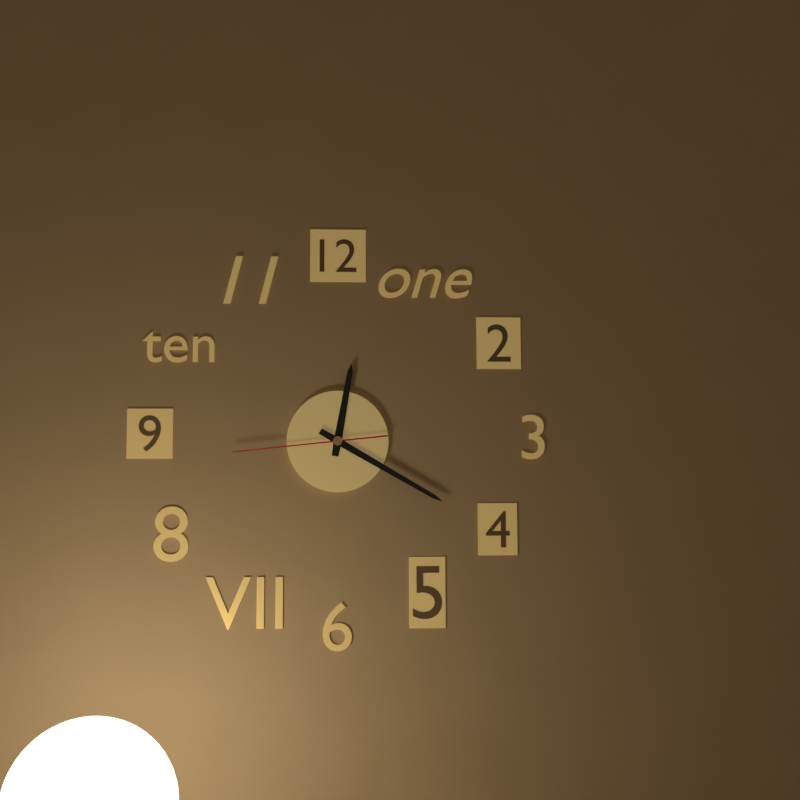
12:20:44
